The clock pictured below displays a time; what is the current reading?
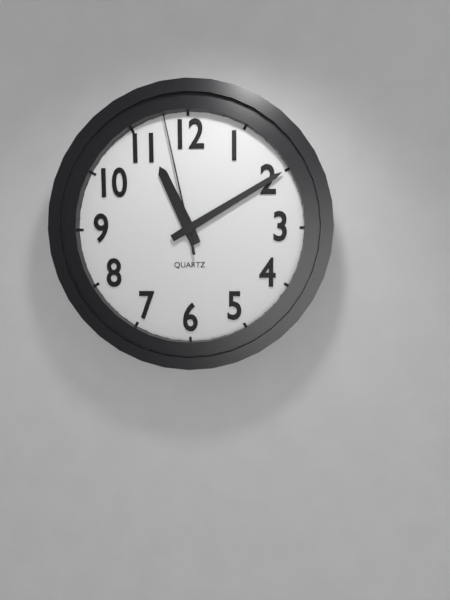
11:10:58
